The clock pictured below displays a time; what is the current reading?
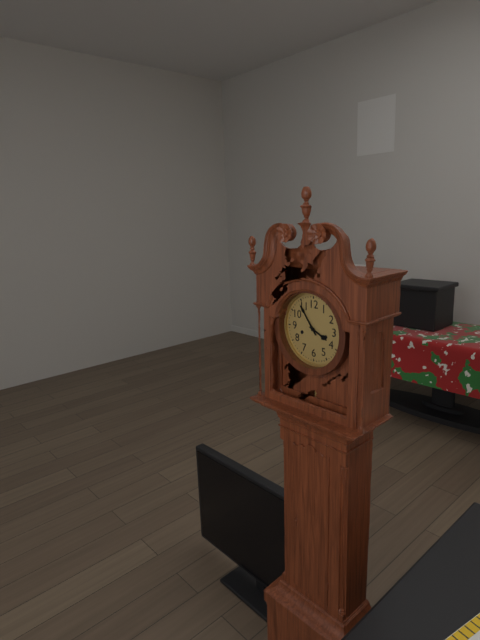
3:54
